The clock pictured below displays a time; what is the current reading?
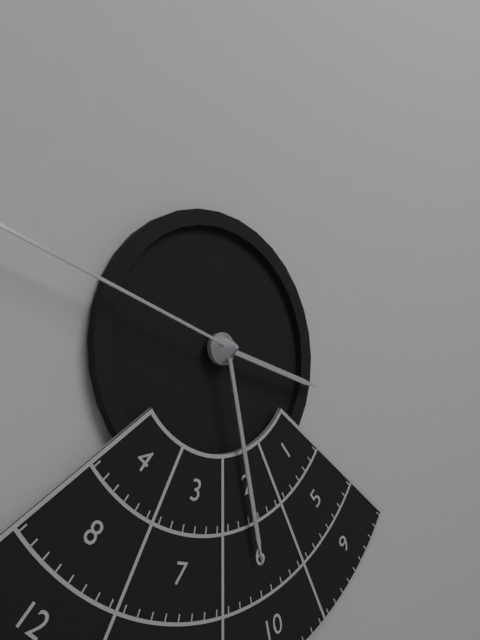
3:28
